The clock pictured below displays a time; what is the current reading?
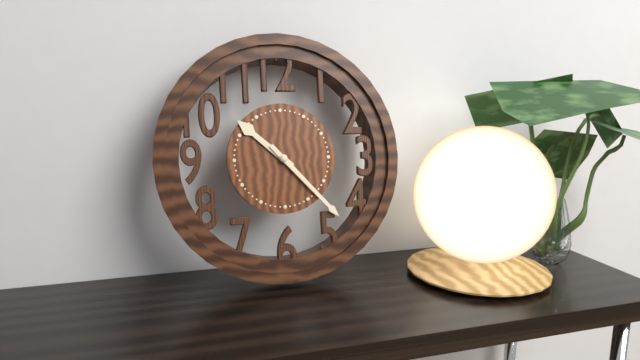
10:23
